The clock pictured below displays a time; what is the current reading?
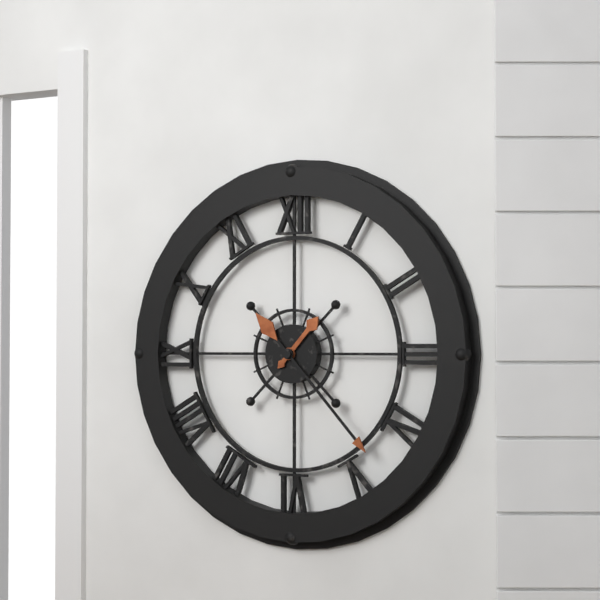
1:23
